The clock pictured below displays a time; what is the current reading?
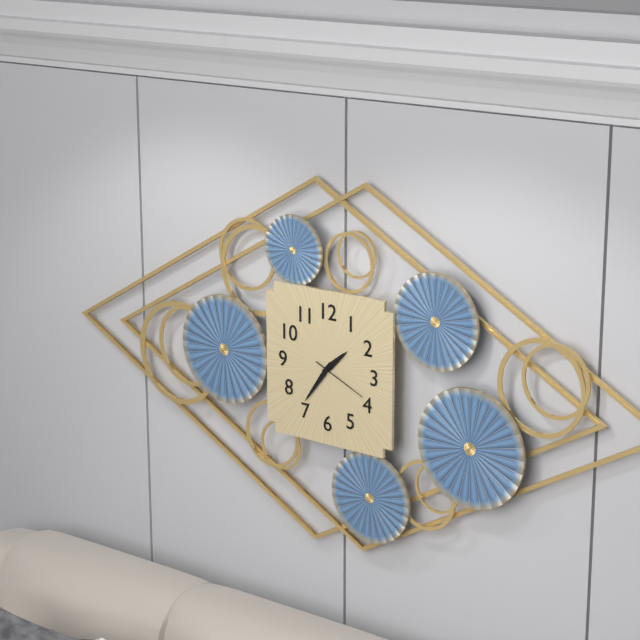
1:36:19
